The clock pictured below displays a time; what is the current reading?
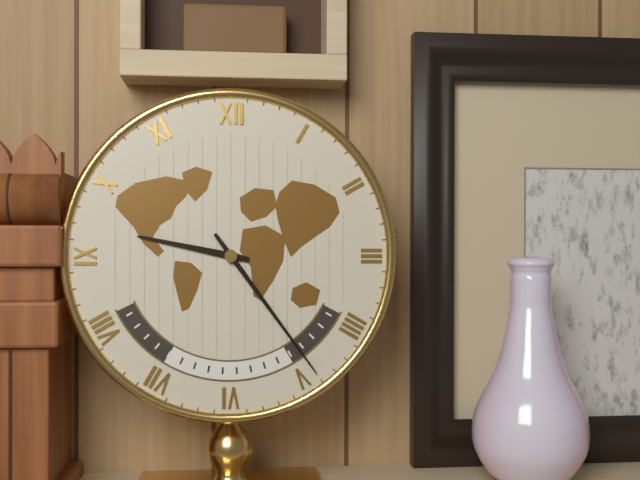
9:24
